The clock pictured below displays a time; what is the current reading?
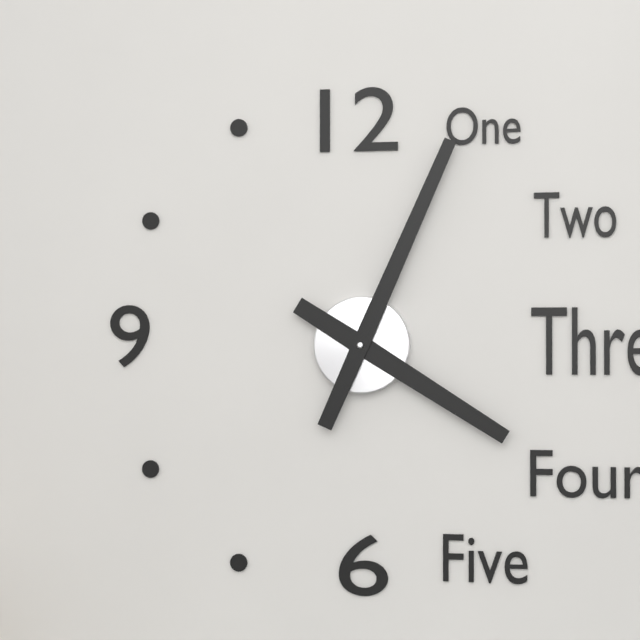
4:04
